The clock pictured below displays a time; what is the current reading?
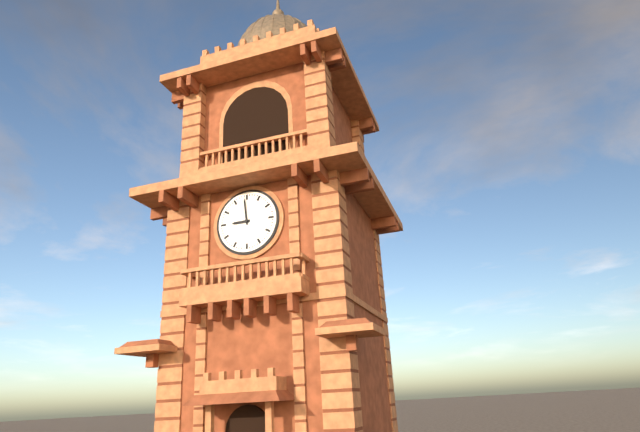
8:59
